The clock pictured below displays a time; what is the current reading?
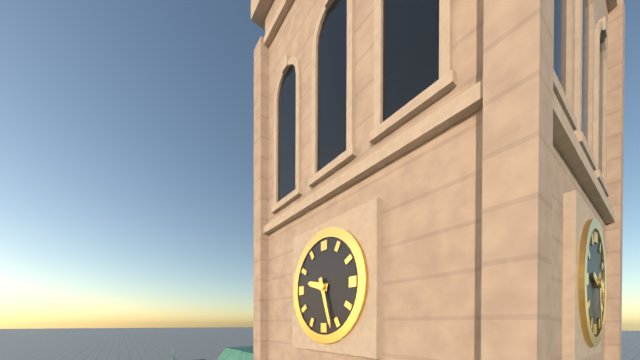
9:27
